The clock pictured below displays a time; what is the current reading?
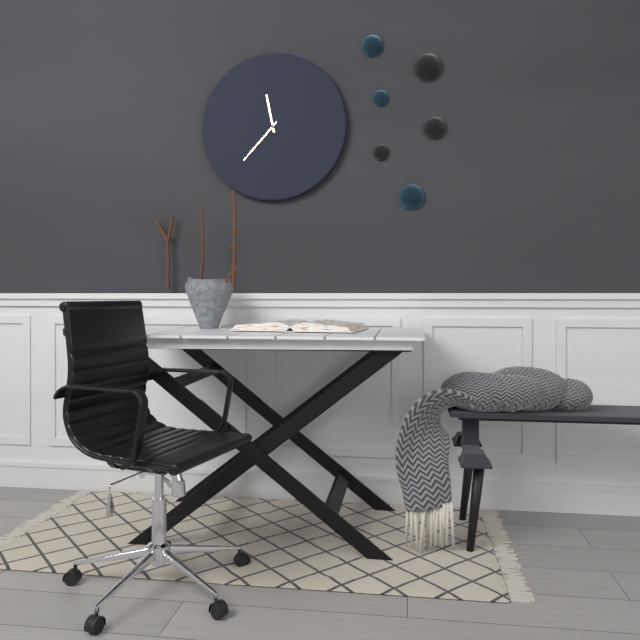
11:37
